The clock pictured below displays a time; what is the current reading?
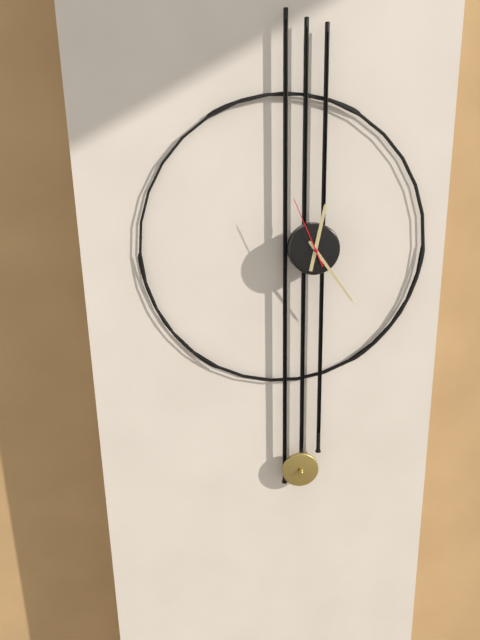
12:24:56
